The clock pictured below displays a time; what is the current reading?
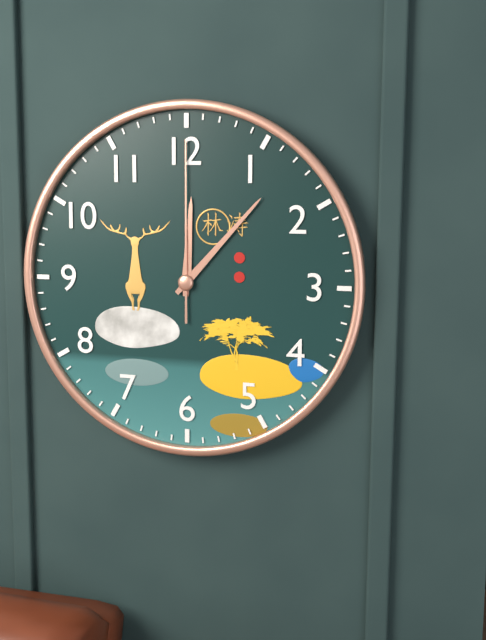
12:07:00
